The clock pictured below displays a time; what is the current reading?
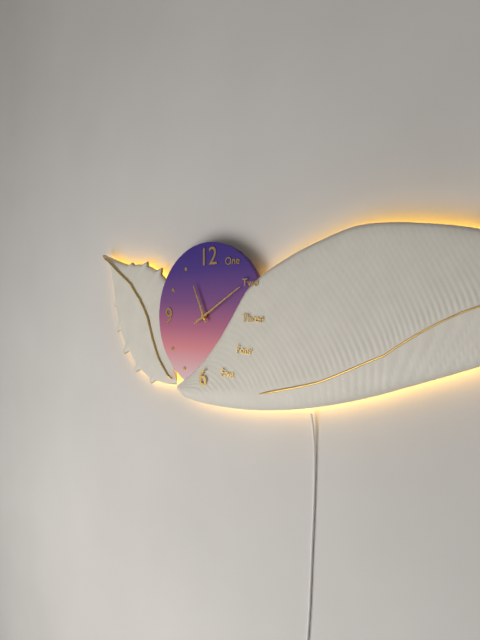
11:10
